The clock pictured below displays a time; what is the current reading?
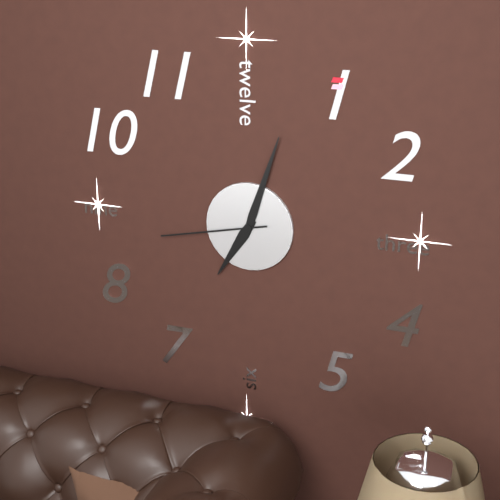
7:03:43
